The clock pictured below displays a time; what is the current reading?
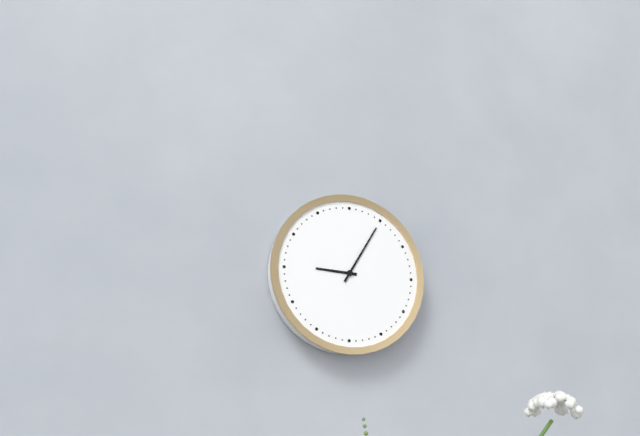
9:05
